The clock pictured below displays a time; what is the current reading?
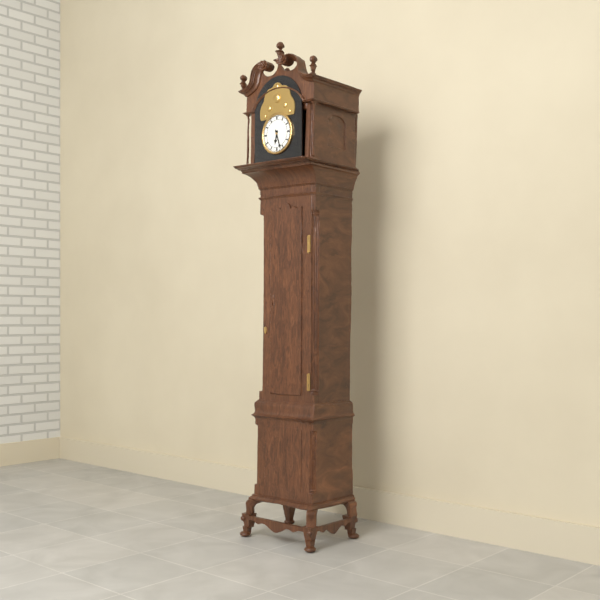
6:27
